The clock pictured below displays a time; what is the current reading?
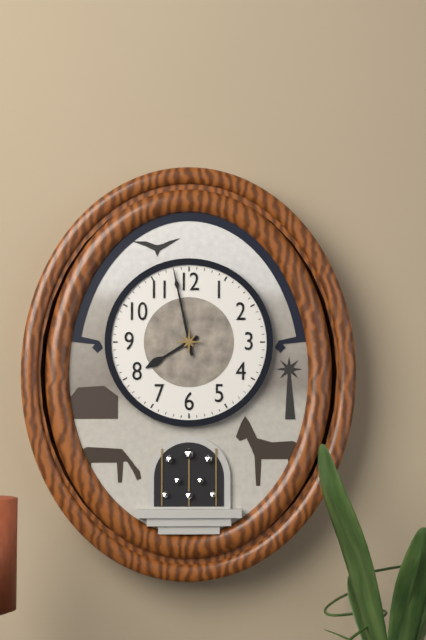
7:58
